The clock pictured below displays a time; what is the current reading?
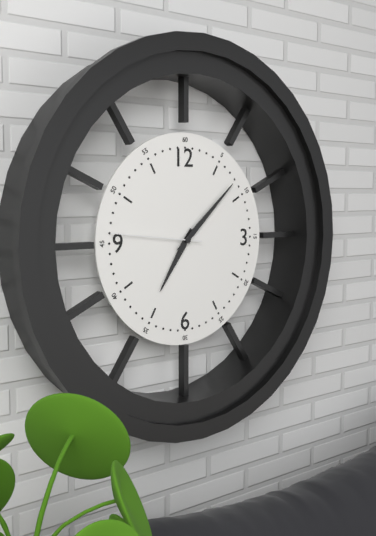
7:08:46
